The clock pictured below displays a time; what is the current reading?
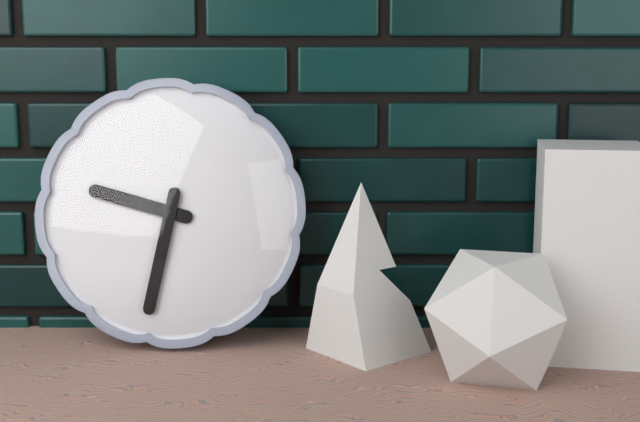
9:32
